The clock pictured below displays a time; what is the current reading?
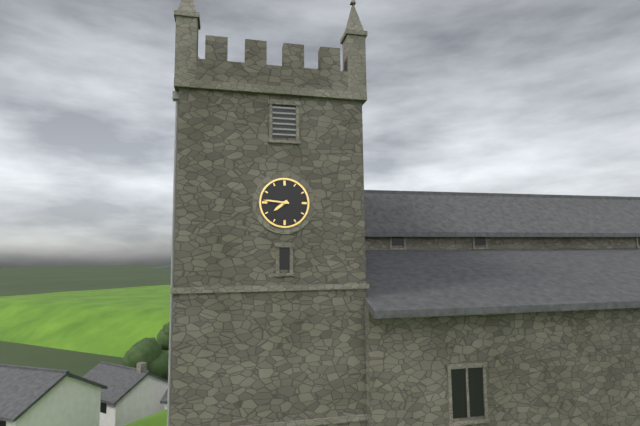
7:46
